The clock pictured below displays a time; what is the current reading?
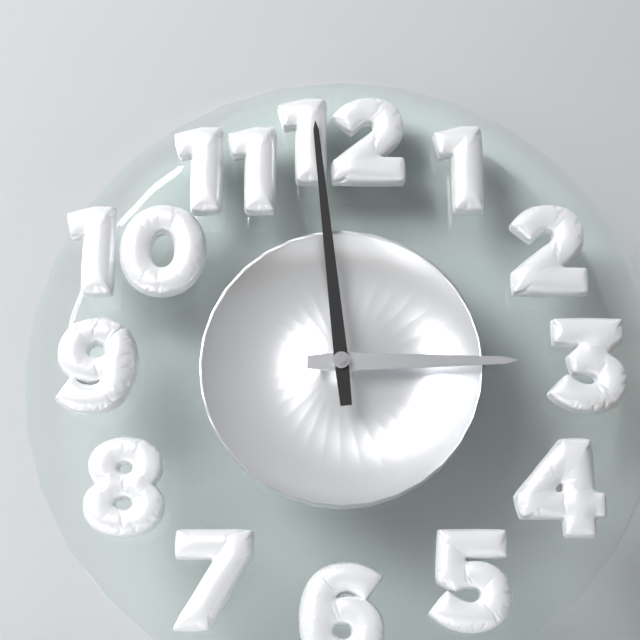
2:59
